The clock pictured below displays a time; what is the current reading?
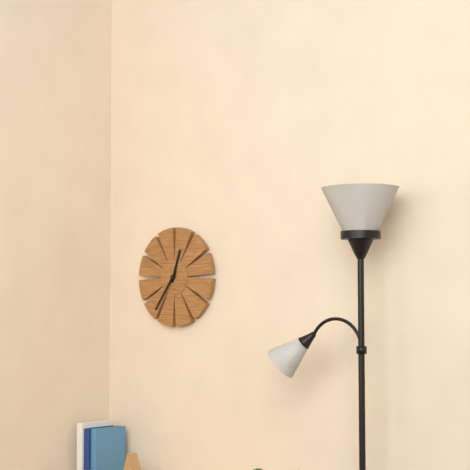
12:36
